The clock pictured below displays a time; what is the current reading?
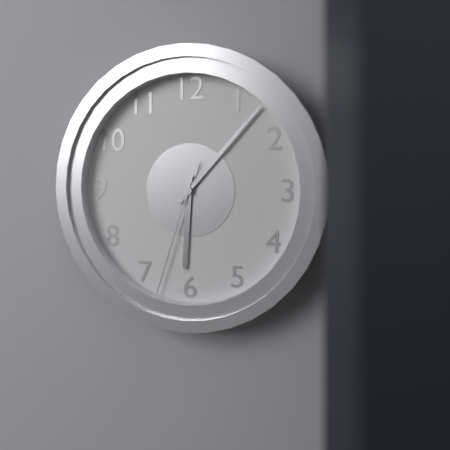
6:07:33
